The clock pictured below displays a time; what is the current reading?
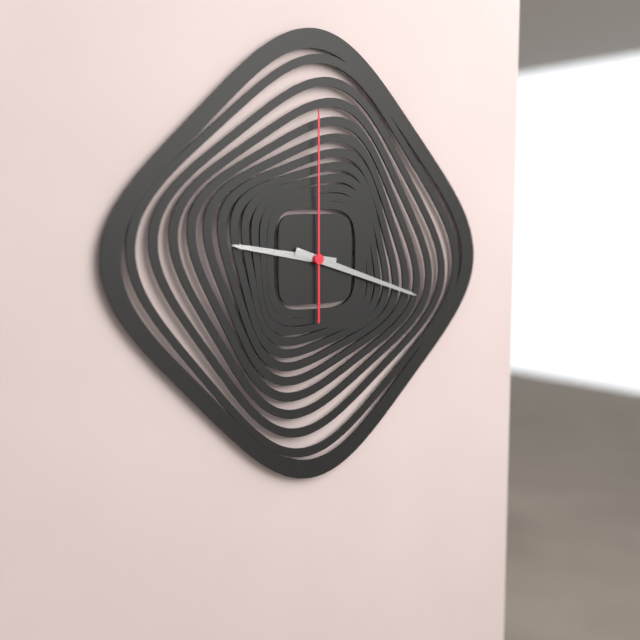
9:18:00
